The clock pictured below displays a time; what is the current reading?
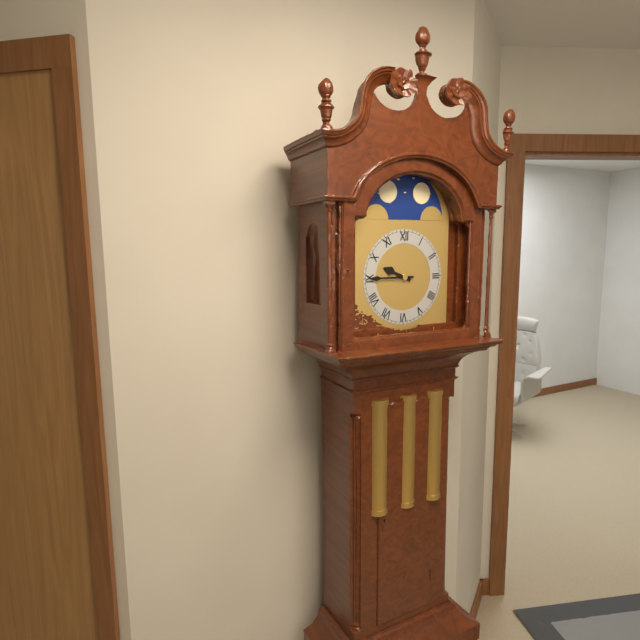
9:45
